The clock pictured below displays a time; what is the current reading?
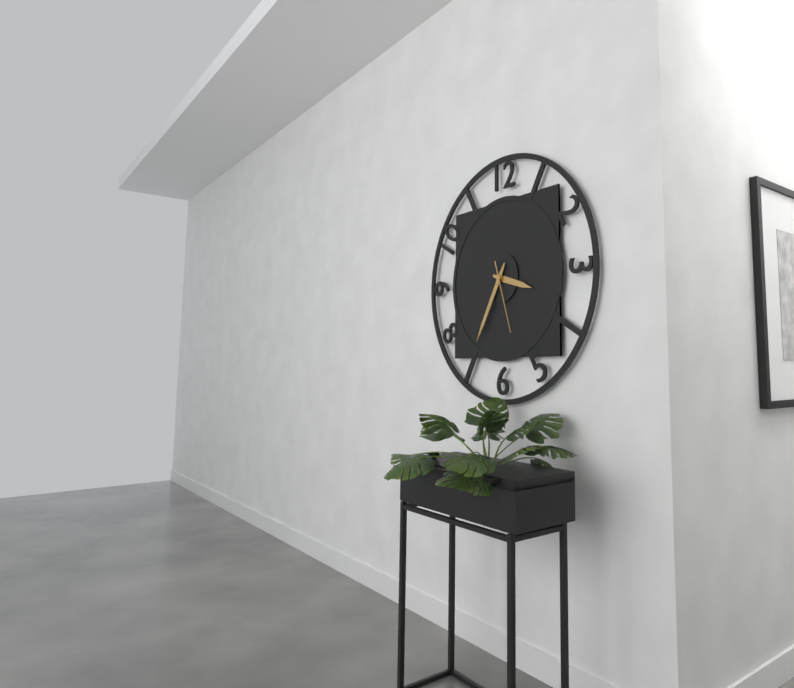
3:35:27
